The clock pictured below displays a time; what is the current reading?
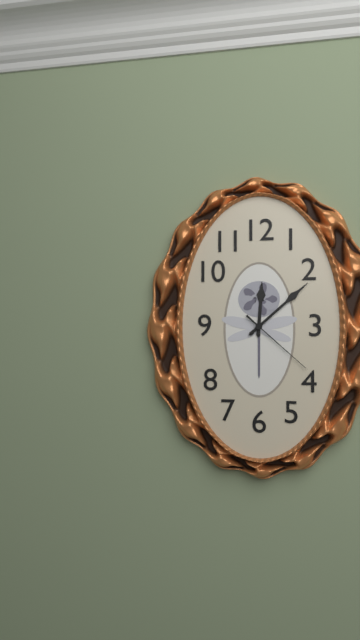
12:08:22
